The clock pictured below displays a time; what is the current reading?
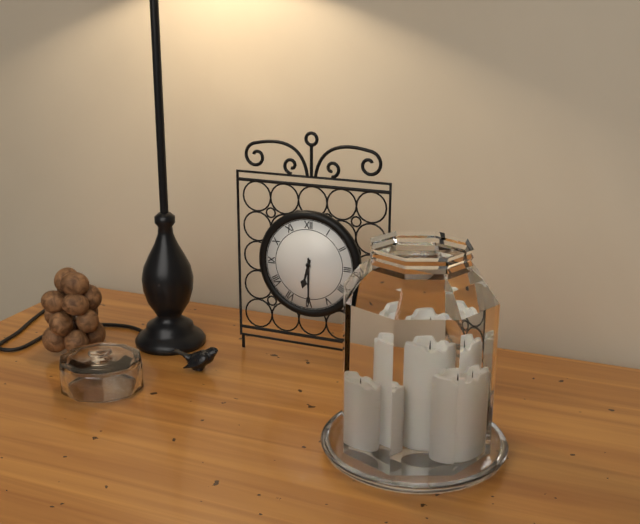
6:30
